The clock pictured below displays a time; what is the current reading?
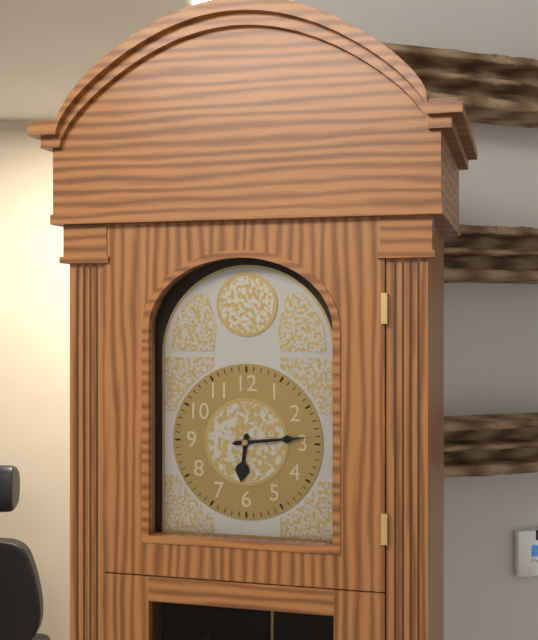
6:14
